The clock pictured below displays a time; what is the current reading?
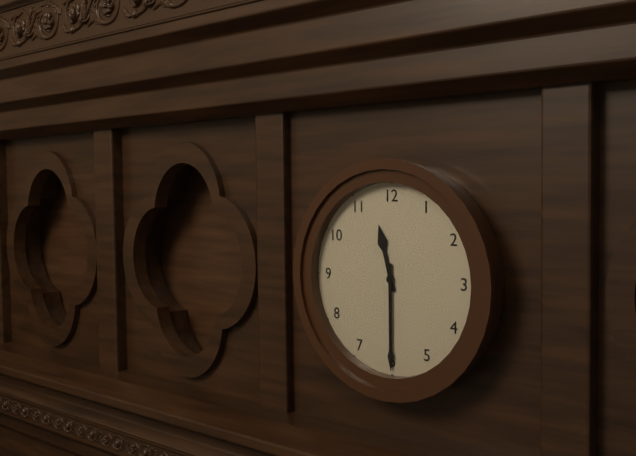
11:30
